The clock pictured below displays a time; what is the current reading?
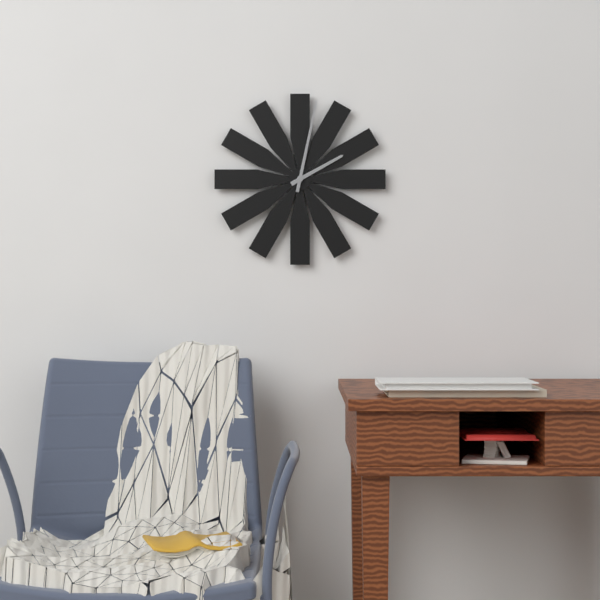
2:02
